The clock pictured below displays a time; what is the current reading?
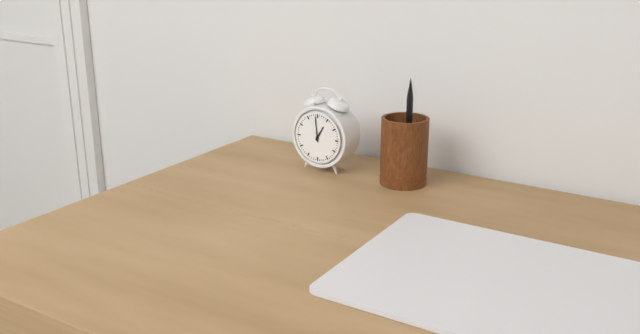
12:59
